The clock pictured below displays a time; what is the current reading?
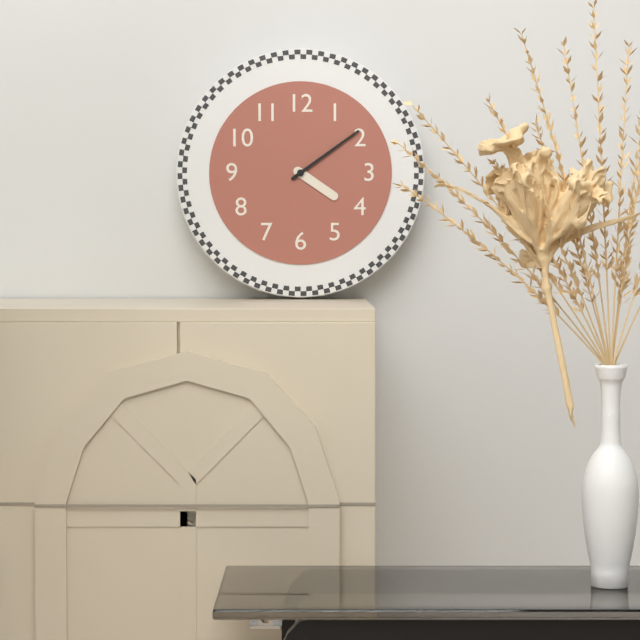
4:09
